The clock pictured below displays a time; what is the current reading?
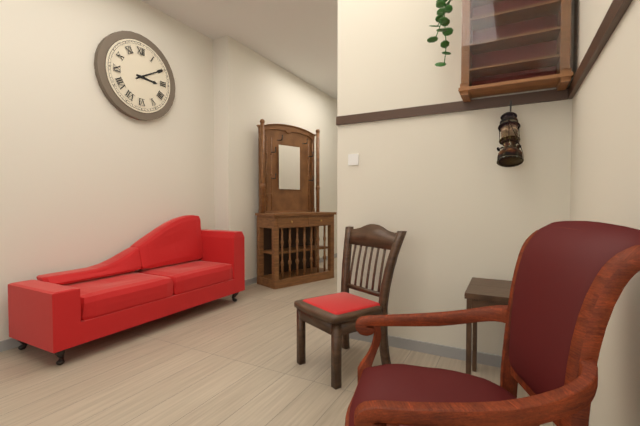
3:10
